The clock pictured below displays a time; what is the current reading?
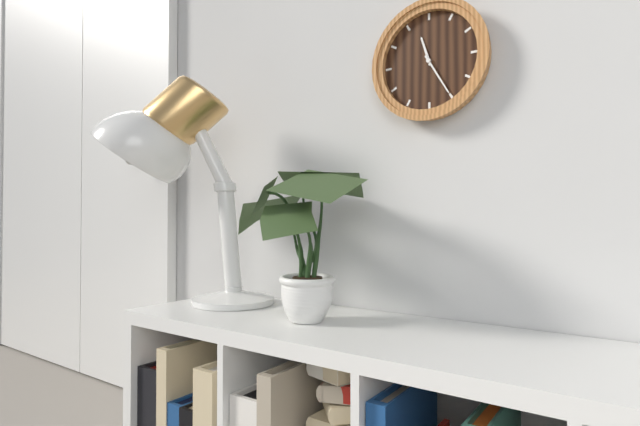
11:25
